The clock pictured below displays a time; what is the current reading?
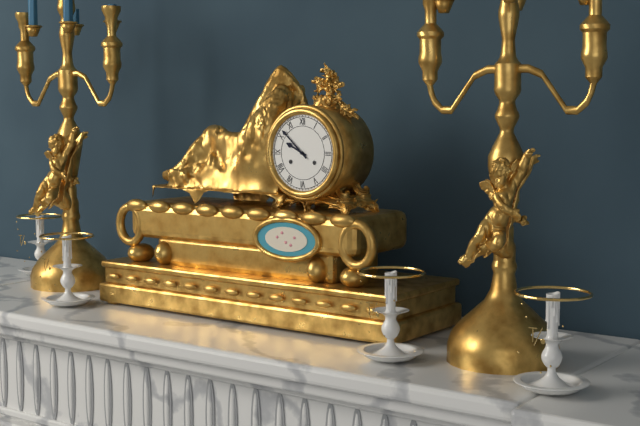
9:52
